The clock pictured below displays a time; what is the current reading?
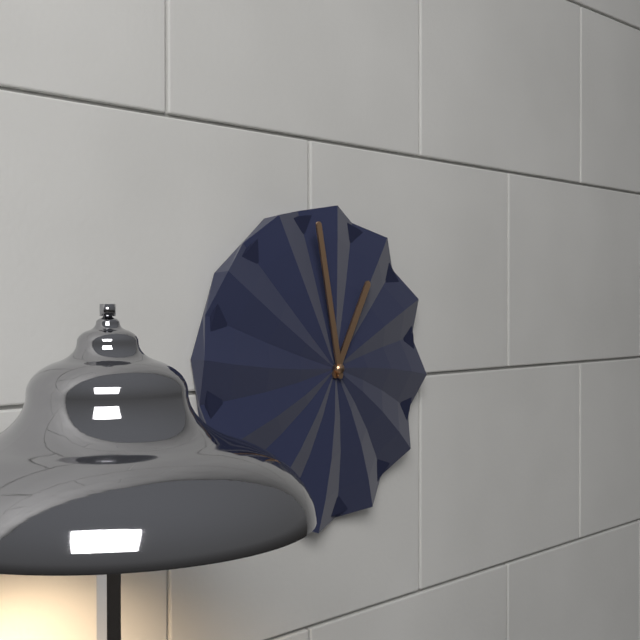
12:58
